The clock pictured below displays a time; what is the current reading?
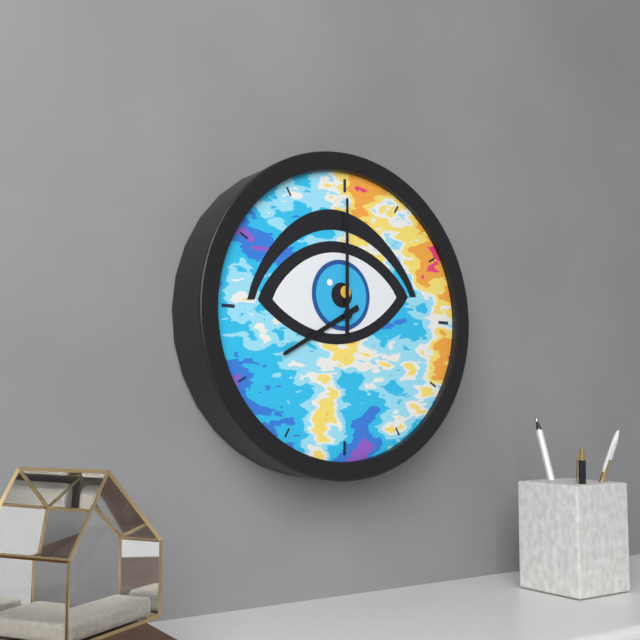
8:00
